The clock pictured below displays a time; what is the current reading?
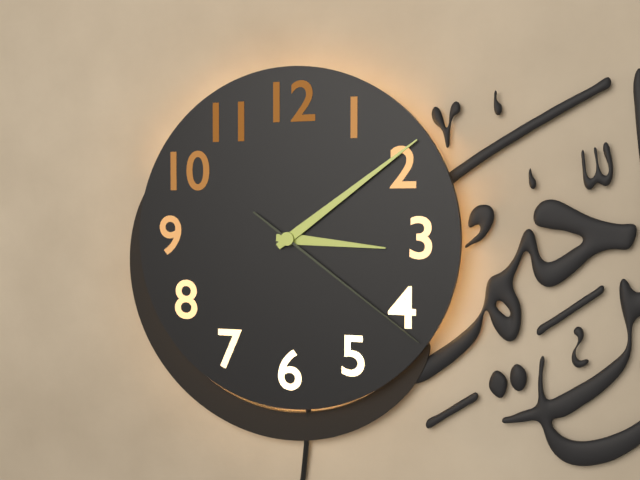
3:09:21
